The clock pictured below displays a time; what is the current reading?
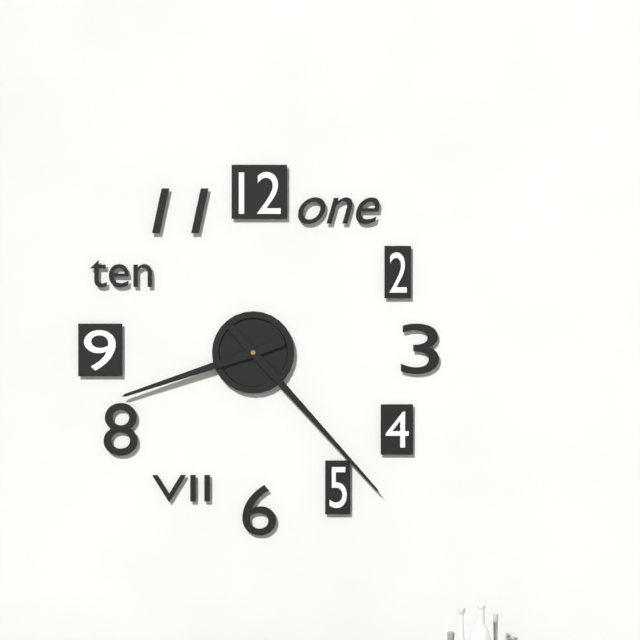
8:23
